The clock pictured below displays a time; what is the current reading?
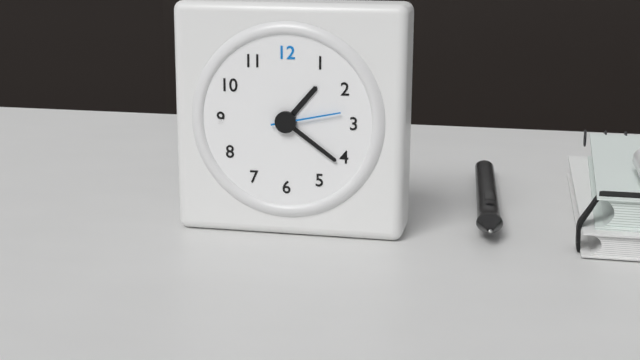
1:21:13
